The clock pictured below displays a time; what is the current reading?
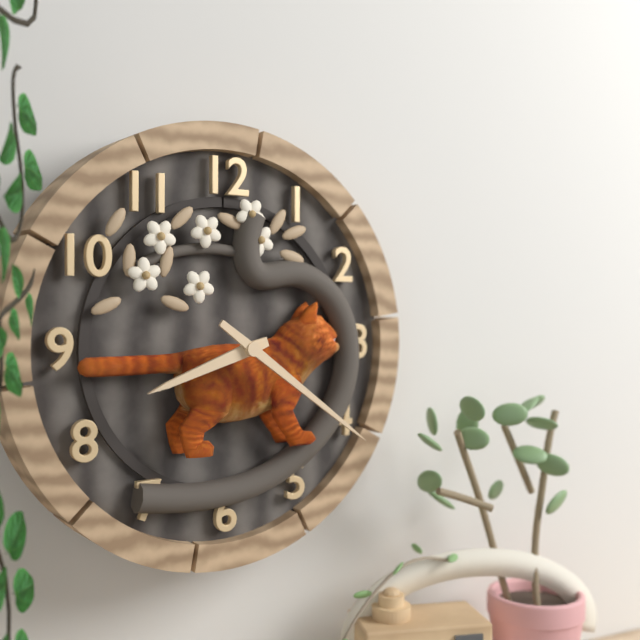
8:21
